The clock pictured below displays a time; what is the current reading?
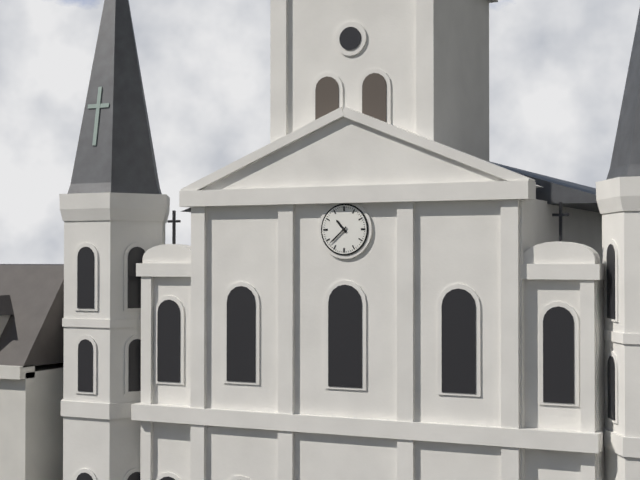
10:38
